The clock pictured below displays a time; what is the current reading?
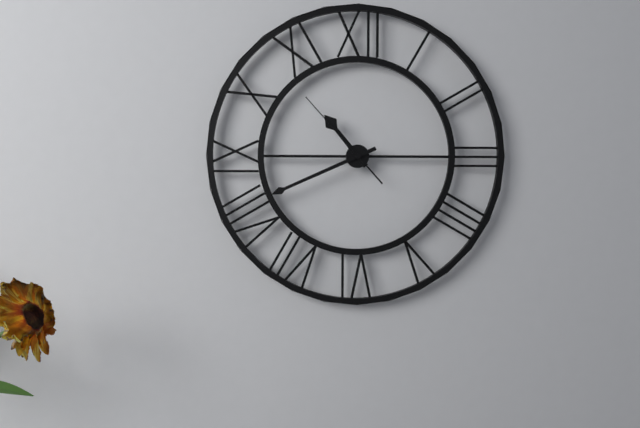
10:41:53
